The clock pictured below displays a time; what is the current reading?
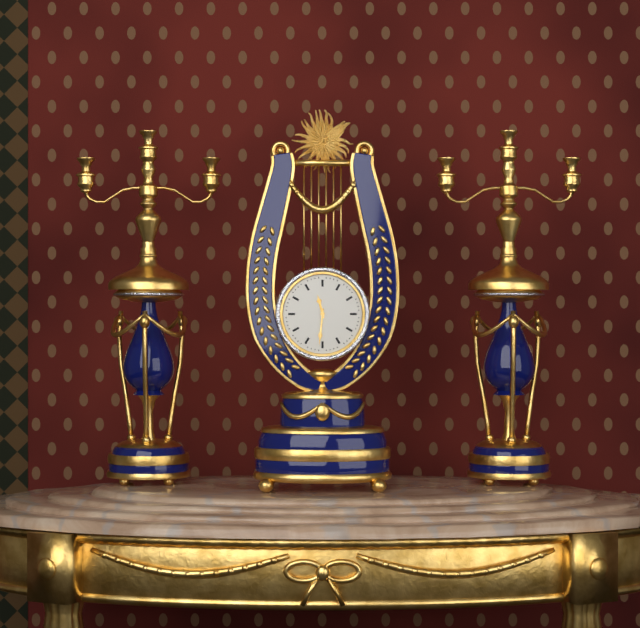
11:31
